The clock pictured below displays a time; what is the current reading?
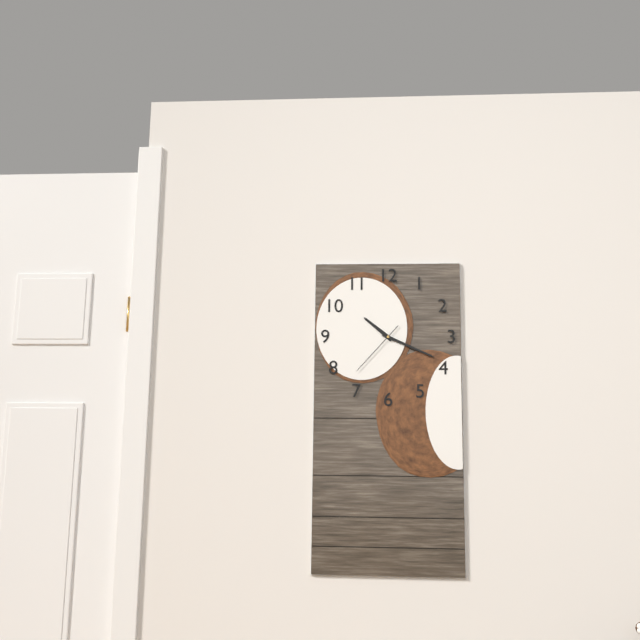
10:19:37
